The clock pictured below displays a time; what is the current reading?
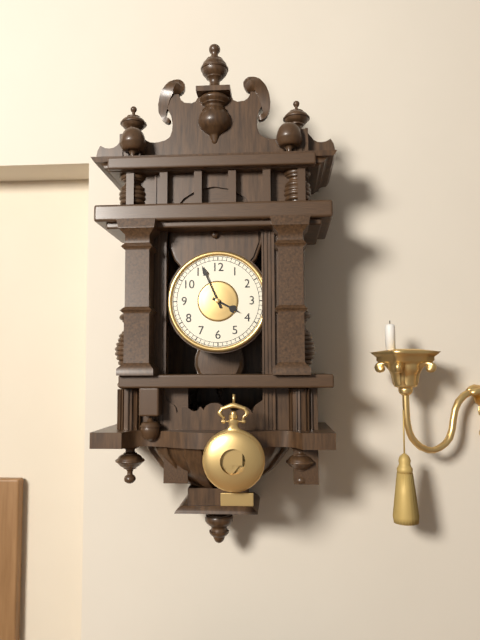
3:56
